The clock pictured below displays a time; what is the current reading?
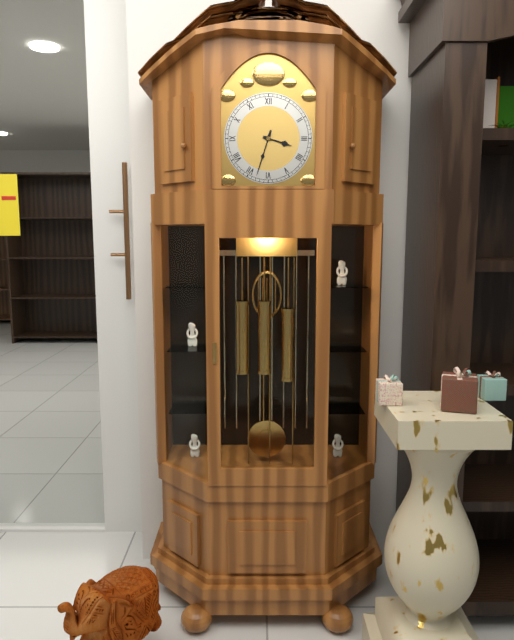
3:33
